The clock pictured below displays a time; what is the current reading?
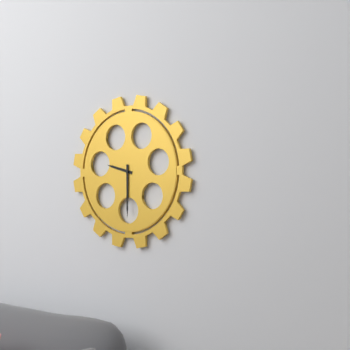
9:30
